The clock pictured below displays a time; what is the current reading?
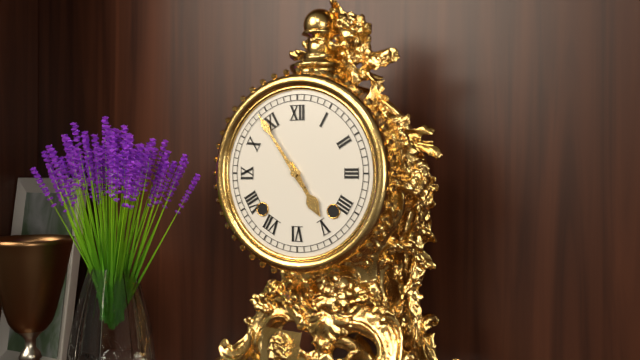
4:54
